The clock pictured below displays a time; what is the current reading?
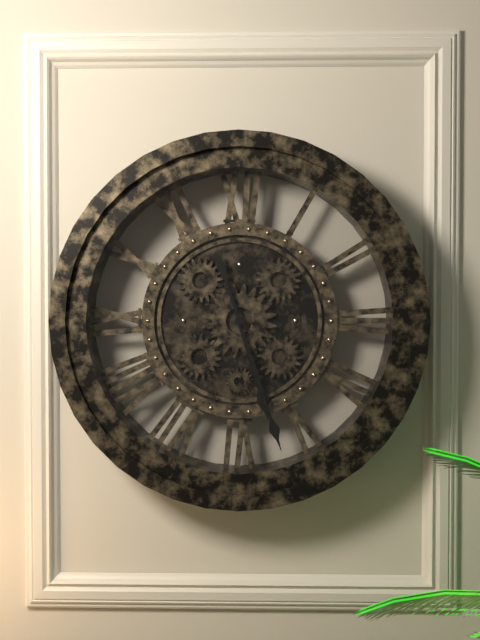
5:27
